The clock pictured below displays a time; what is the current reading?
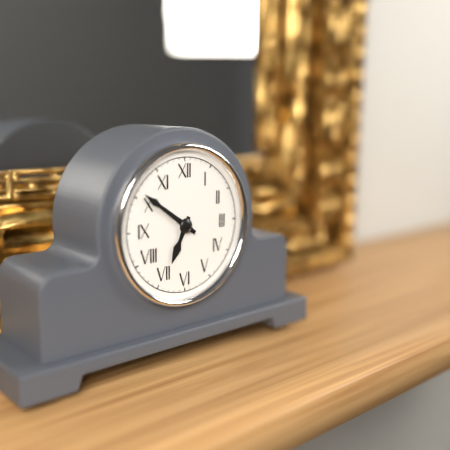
6:51
